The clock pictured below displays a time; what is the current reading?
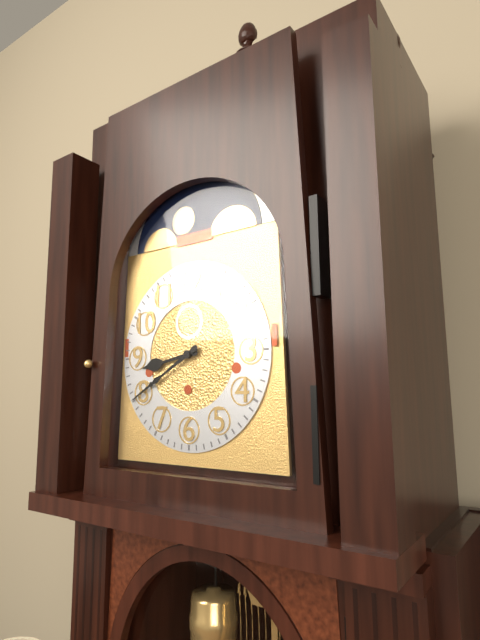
8:40
